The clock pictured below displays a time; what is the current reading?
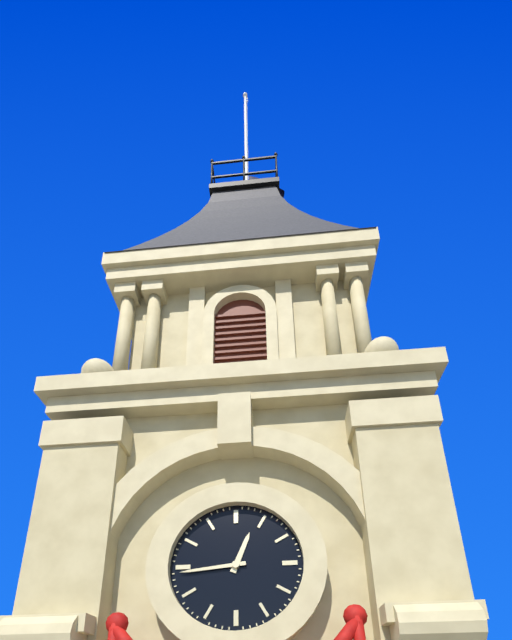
12:44
